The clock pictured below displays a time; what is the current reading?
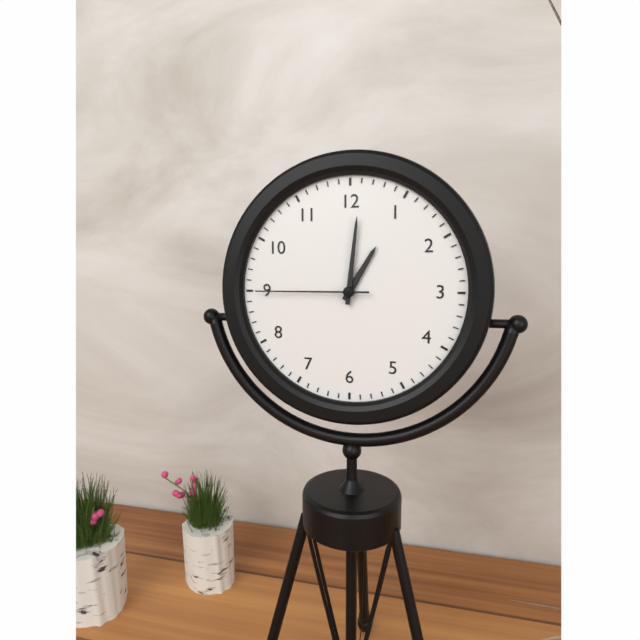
1:01:45
